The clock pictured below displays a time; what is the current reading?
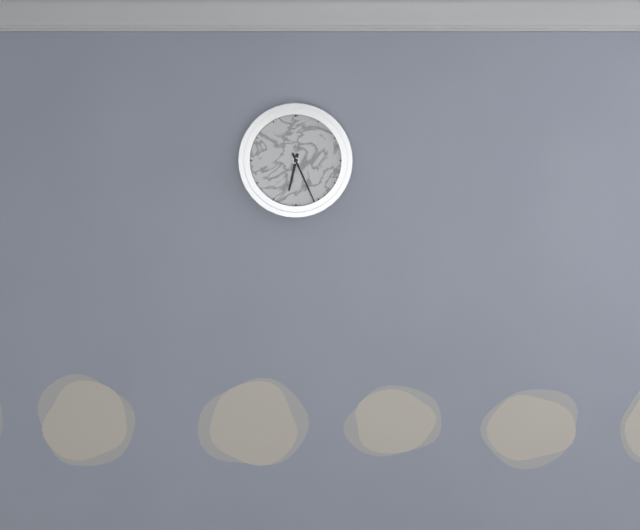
6:26
